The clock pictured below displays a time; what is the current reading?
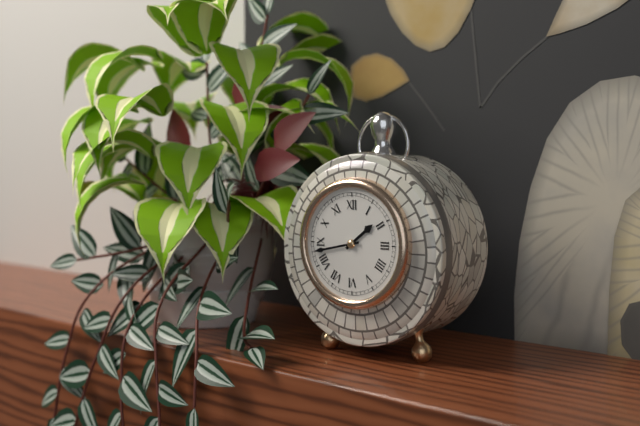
1:43
